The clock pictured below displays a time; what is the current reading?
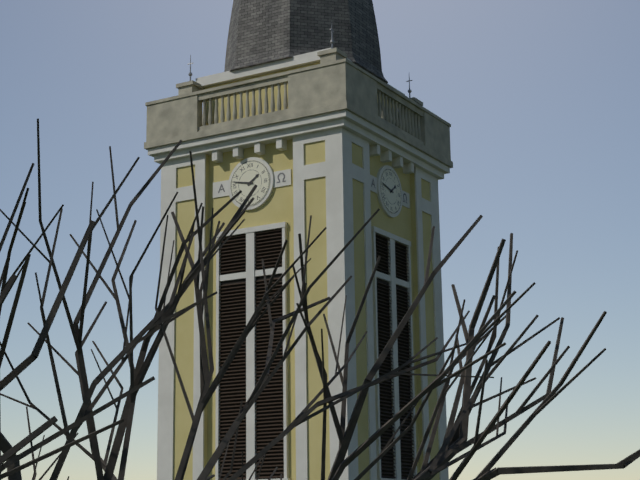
1:47
